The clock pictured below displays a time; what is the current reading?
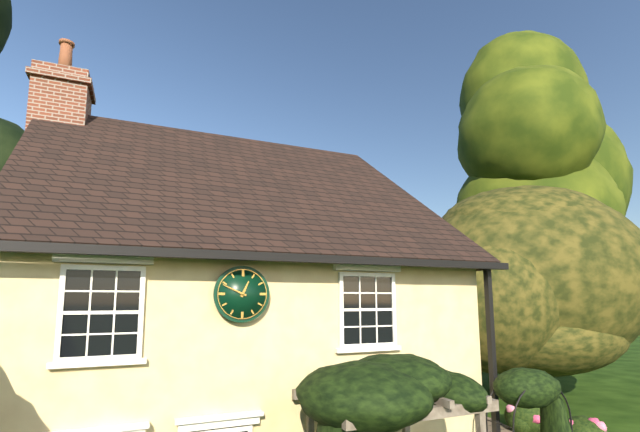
12:49
